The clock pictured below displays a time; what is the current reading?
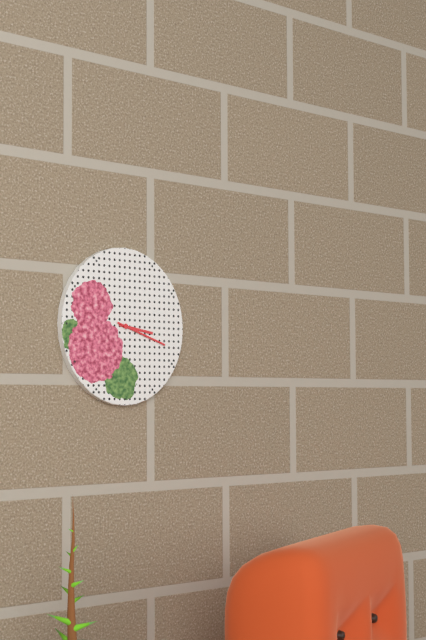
3:18
